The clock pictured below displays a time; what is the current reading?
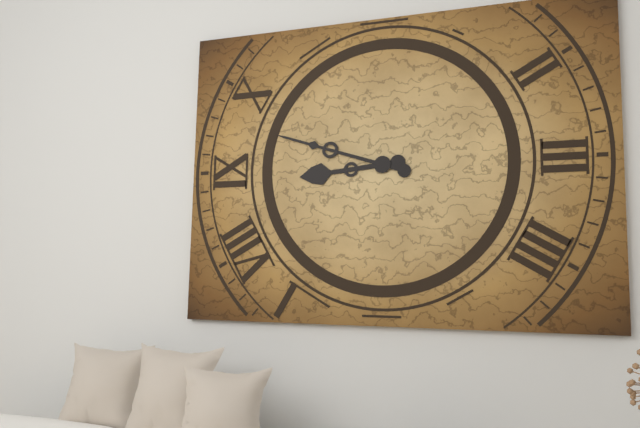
8:48
